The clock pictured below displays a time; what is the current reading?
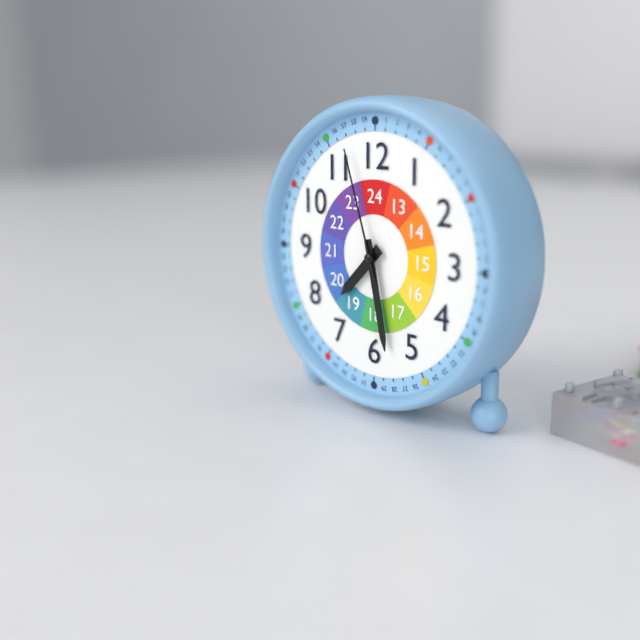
7:28:57
